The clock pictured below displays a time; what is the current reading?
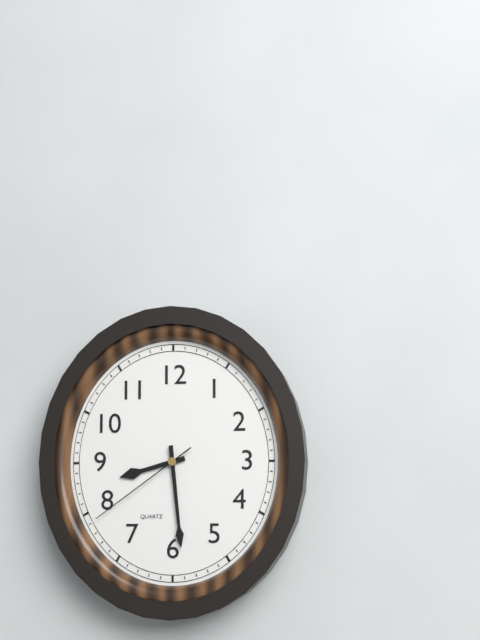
8:29:39
